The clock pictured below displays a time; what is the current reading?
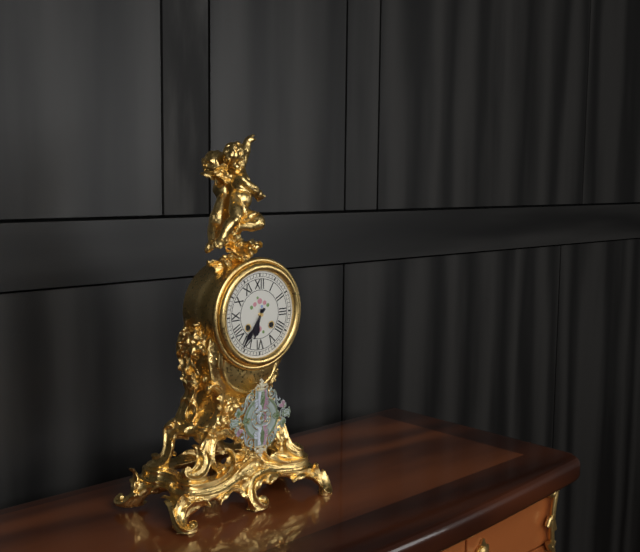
6:36
